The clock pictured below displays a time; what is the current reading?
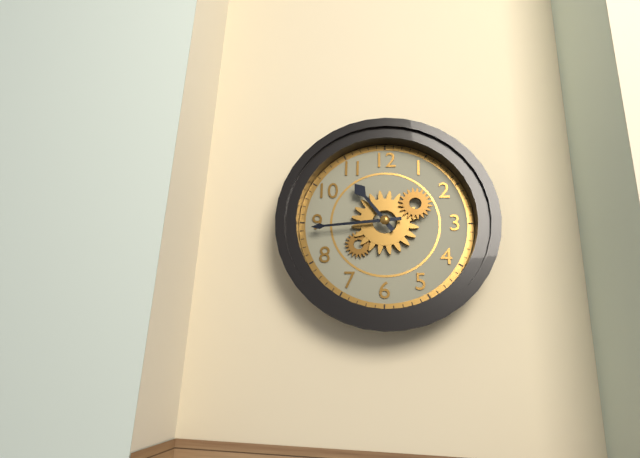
10:44
